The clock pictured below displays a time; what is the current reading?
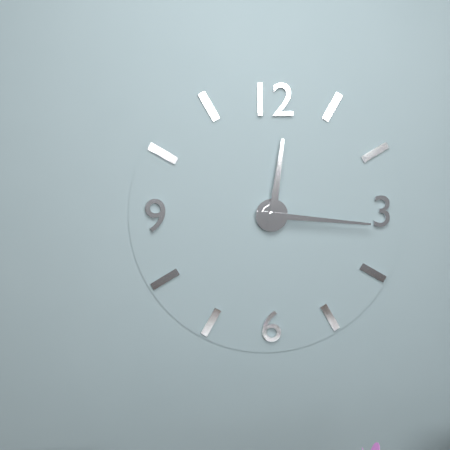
12:16
